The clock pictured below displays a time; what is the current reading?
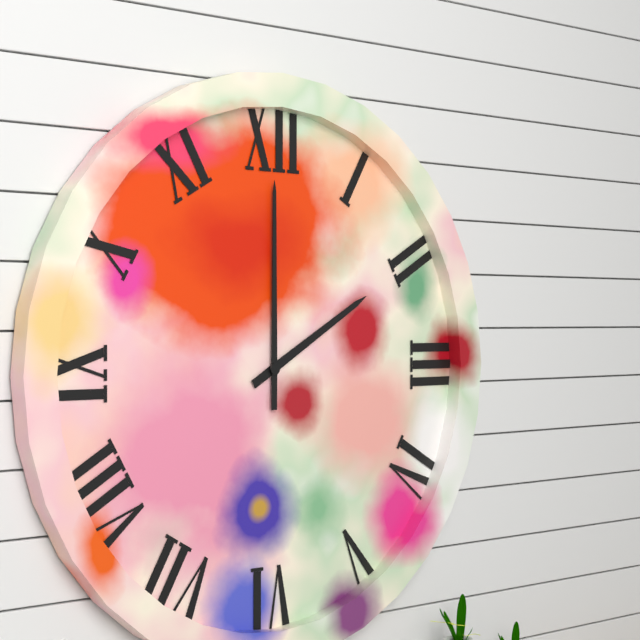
2:00
